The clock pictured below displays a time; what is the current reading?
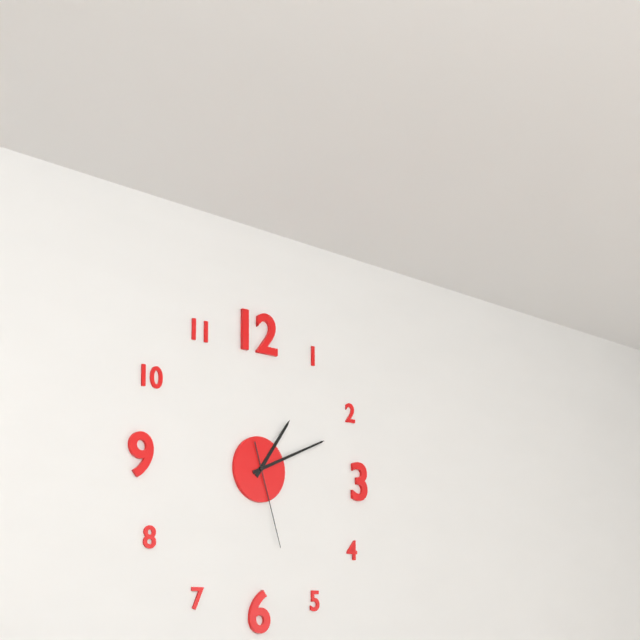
1:11:27
